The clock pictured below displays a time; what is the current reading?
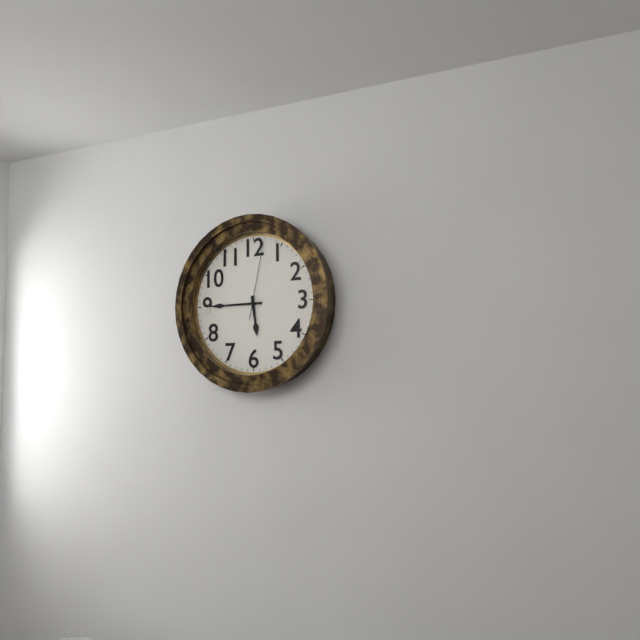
5:45:02
